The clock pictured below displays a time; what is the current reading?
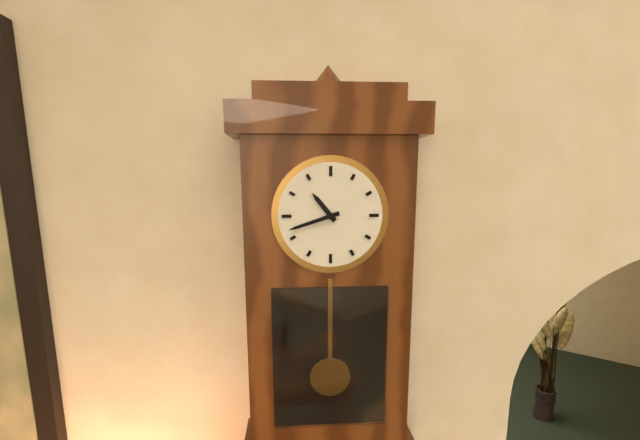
10:42
